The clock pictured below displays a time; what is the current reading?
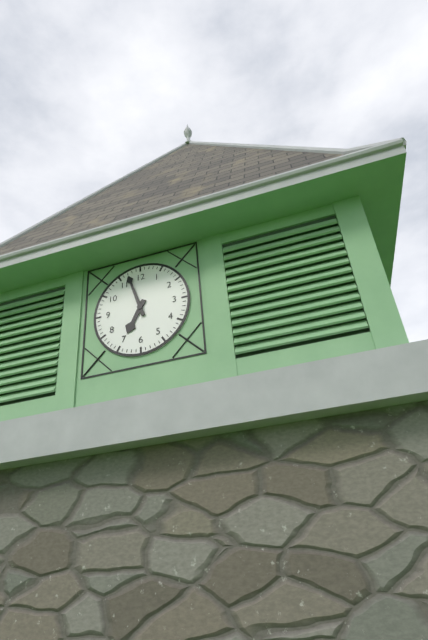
6:57
